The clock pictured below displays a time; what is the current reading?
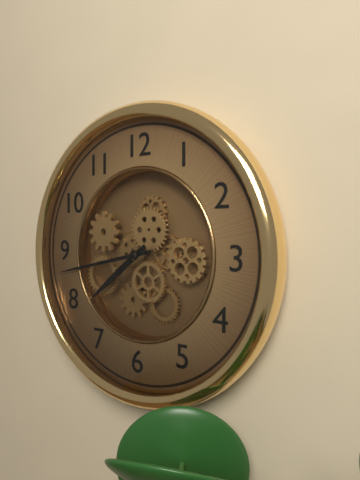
7:43
